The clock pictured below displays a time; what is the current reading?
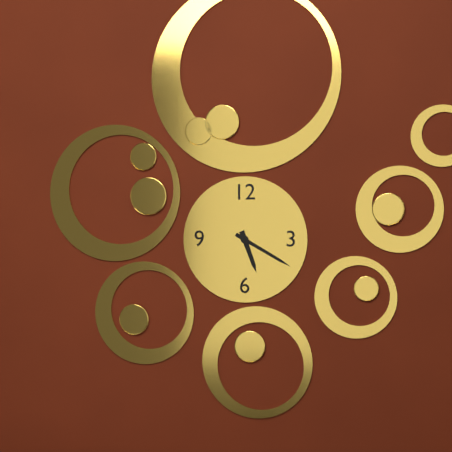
5:20
